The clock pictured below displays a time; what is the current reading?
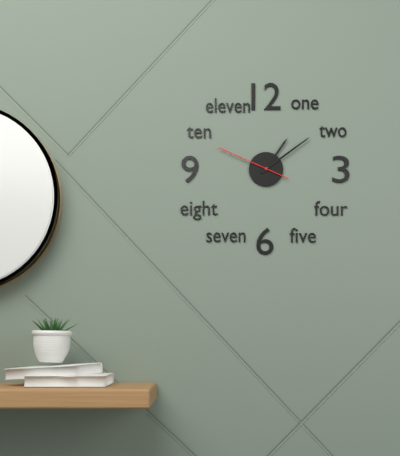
1:09:49
